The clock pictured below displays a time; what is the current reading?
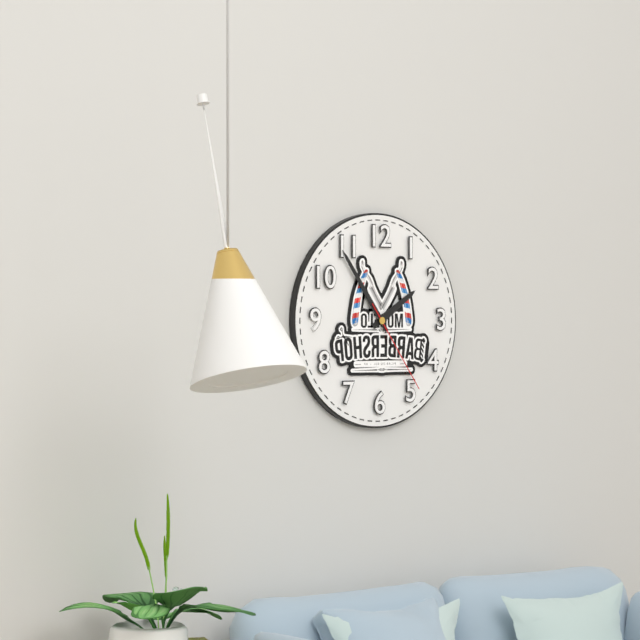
1:54:24
